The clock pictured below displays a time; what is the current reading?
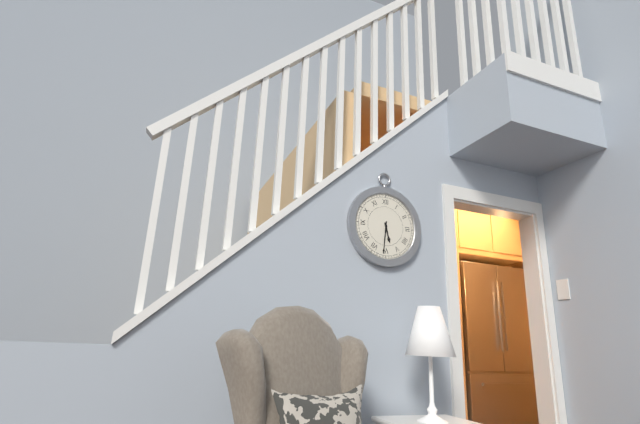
5:31
